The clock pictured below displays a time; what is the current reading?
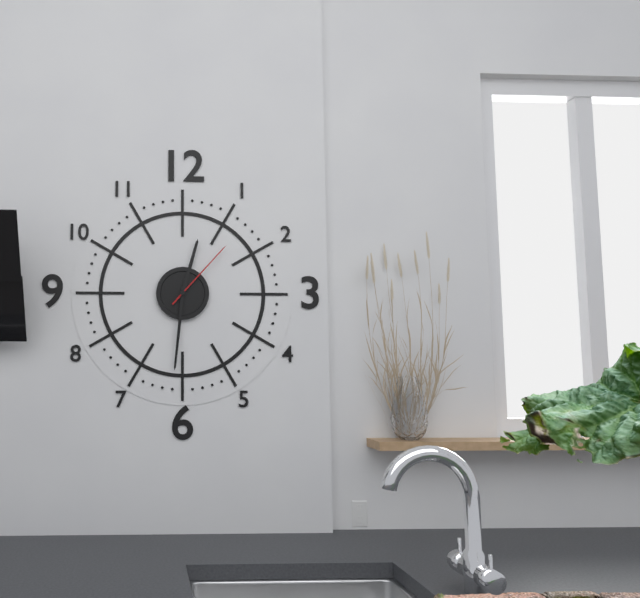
12:31:07
